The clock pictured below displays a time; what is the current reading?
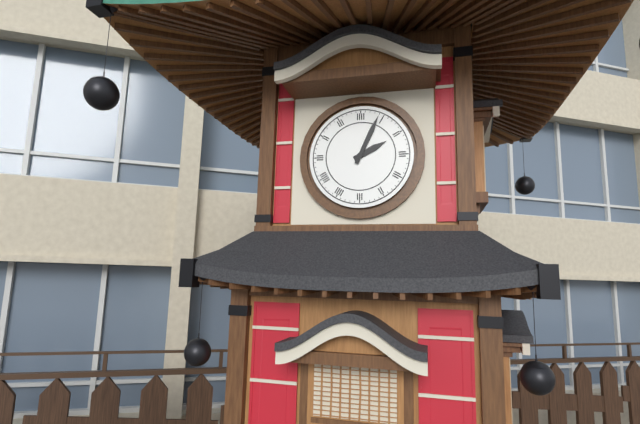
2:04
